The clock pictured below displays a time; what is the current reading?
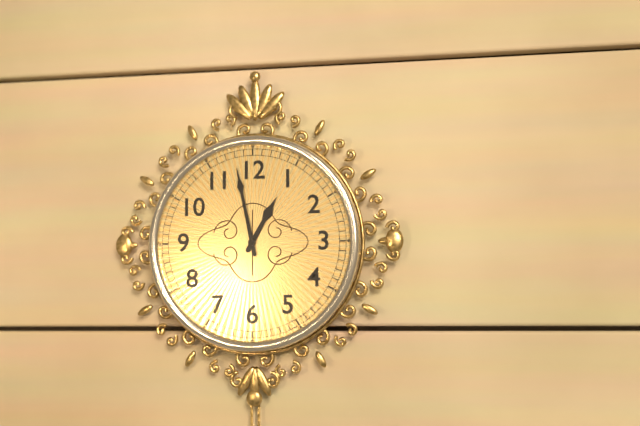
12:58
